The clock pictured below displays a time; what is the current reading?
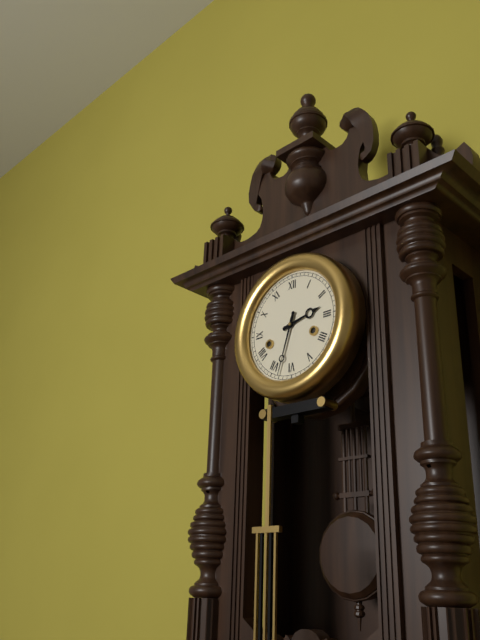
2:33
